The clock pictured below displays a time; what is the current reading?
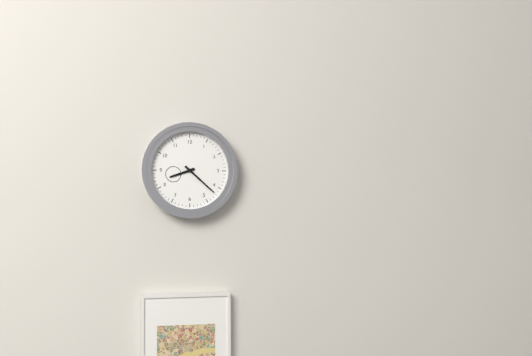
8:22
